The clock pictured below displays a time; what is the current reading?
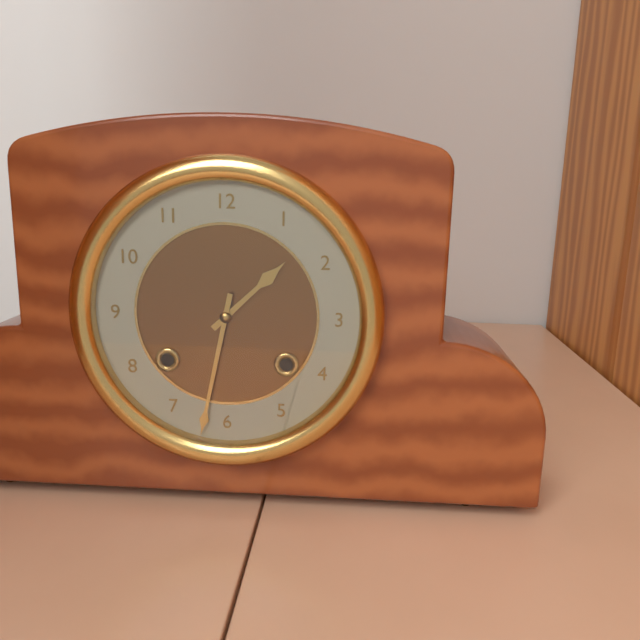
1:32
